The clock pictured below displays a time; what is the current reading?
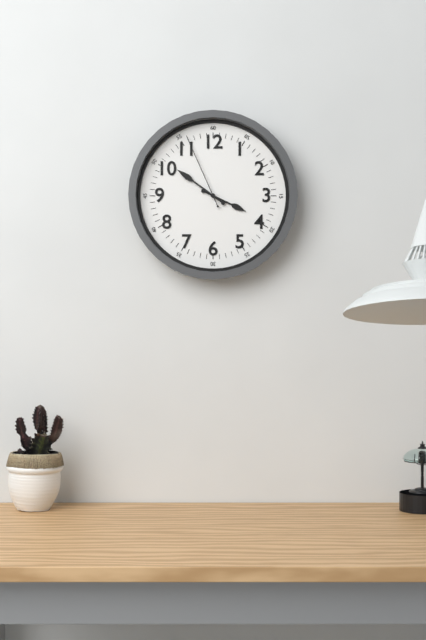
3:51:56
